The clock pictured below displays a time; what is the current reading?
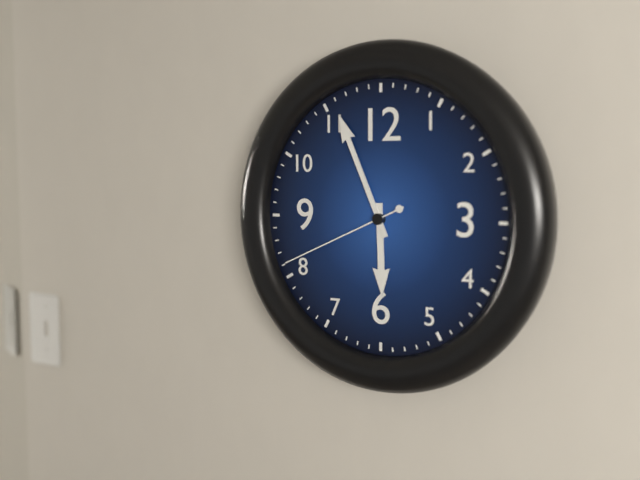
5:56:41
